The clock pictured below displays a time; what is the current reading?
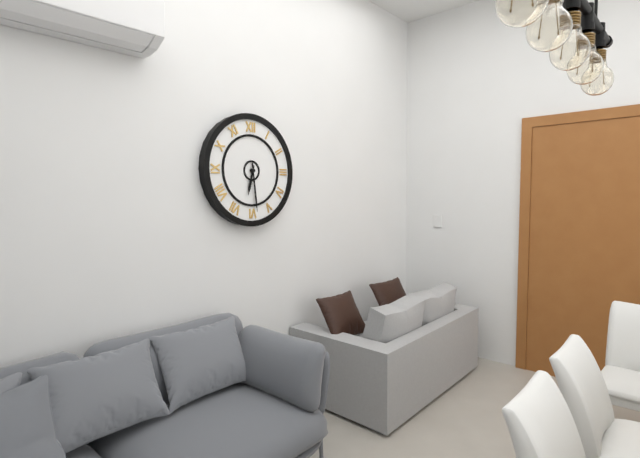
6:29
